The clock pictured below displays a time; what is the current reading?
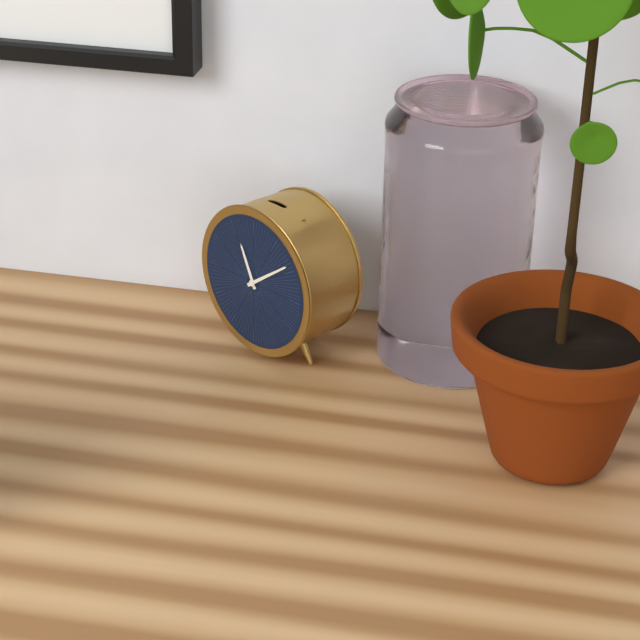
11:09
